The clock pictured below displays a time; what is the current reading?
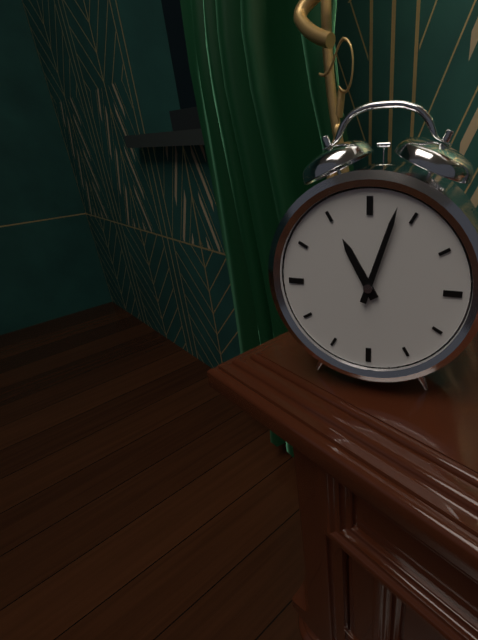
11:03
